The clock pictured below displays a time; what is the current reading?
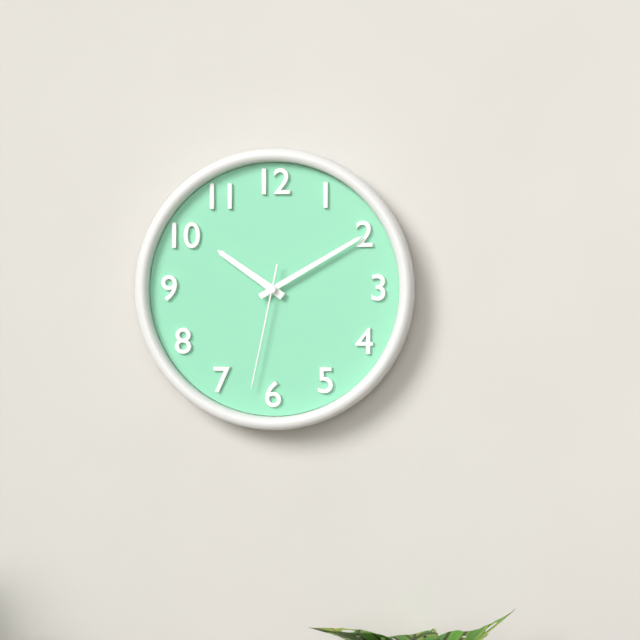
10:10:32
